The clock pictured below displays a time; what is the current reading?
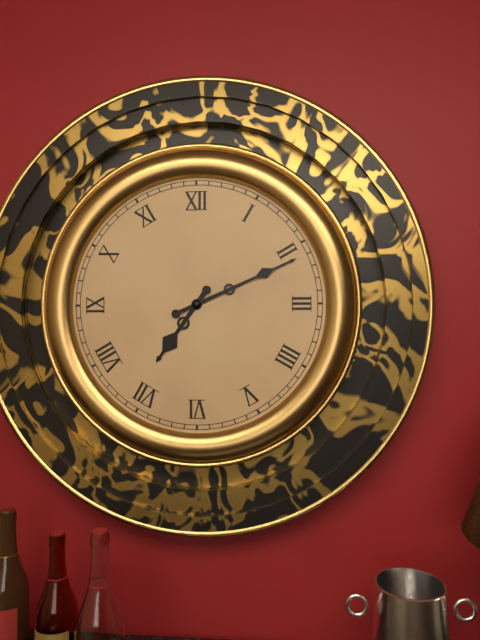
7:11
